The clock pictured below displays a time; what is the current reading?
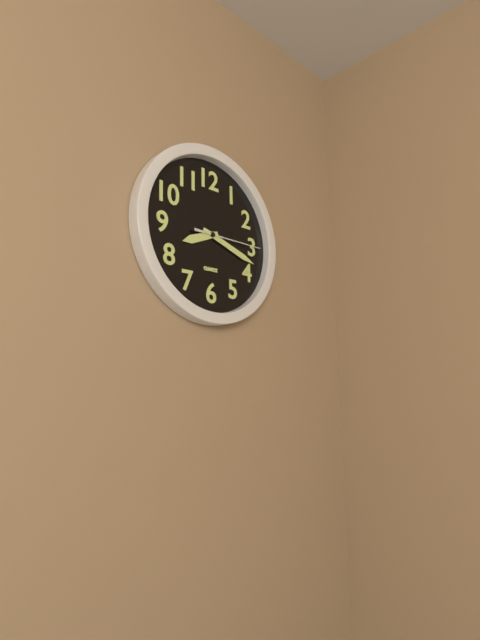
8:18:15
